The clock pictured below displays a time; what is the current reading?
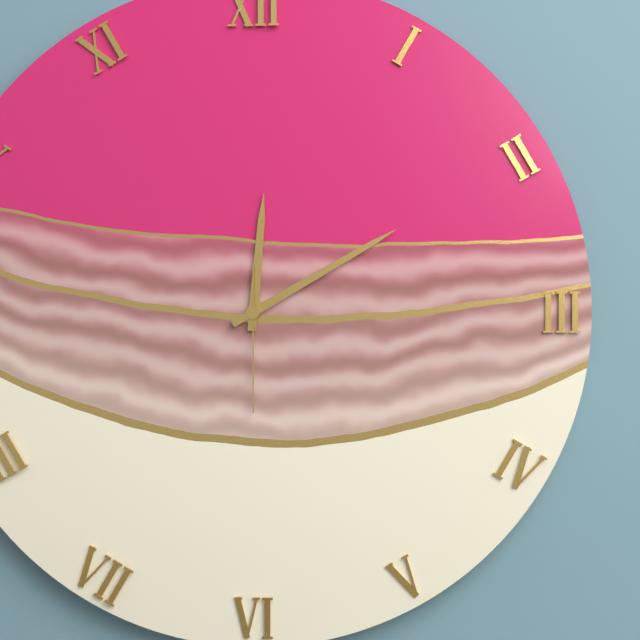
12:10:30
